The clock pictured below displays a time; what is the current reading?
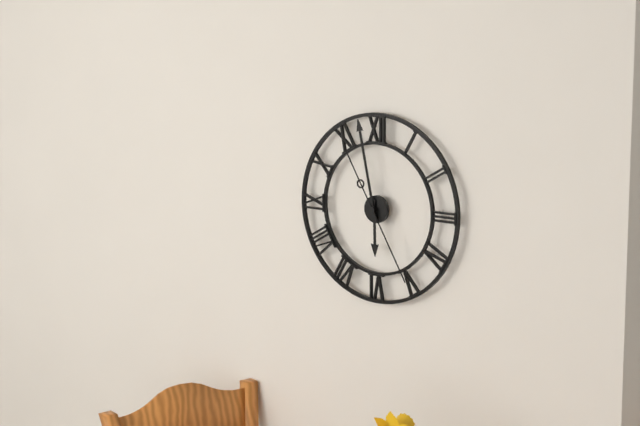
5:58:25
